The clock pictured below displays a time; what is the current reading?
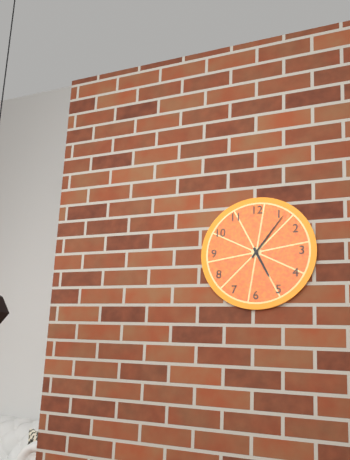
5:06
